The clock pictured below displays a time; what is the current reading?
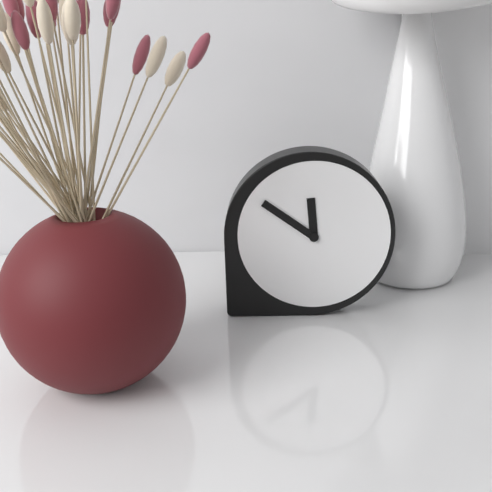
11:51
